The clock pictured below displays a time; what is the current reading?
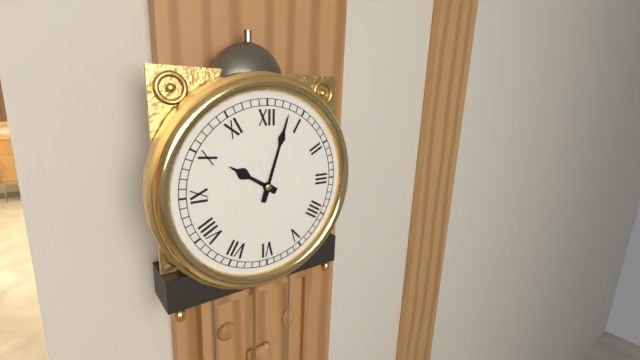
10:03
